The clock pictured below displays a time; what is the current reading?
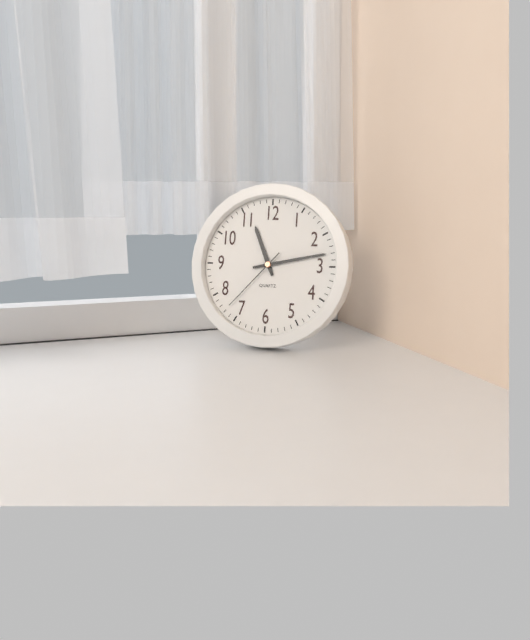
11:13:37
